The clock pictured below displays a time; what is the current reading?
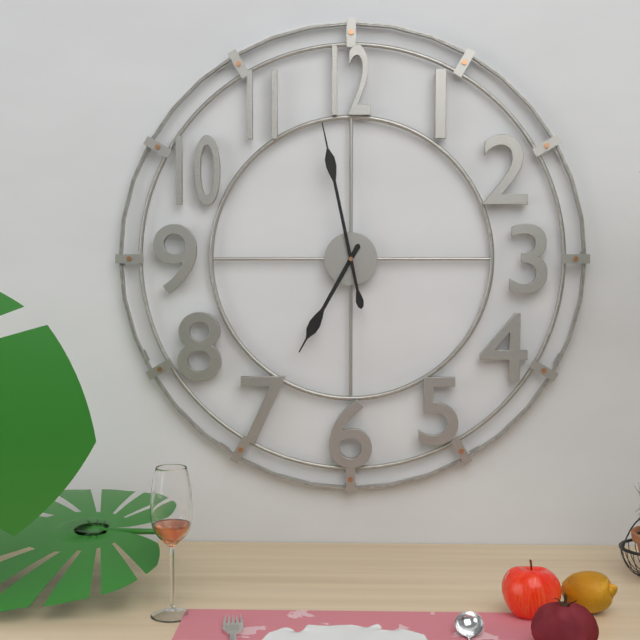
6:58
